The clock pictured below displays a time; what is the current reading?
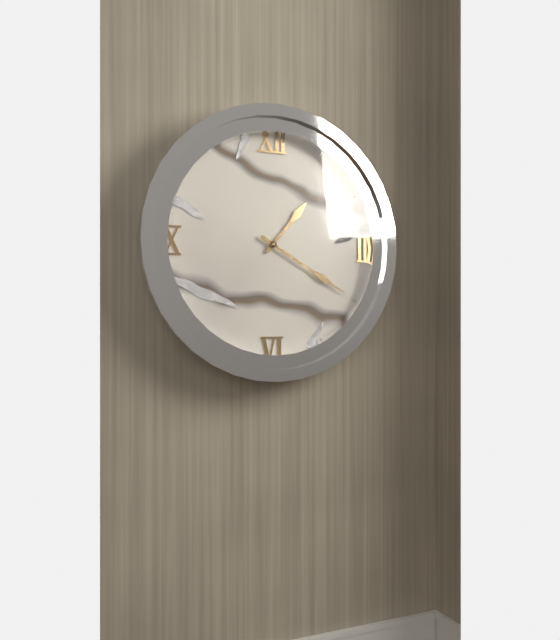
1:20
